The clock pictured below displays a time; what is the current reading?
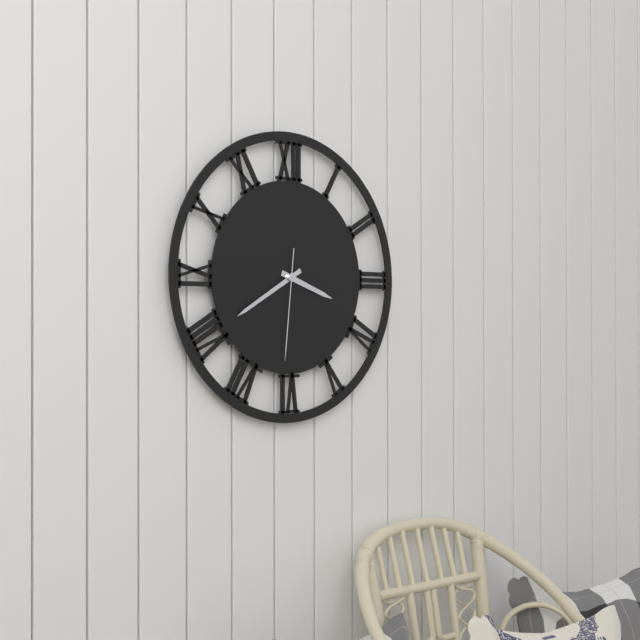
3:40:31
